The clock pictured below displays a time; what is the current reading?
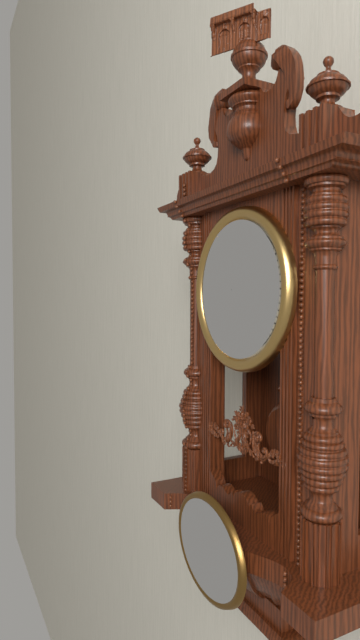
9:04
